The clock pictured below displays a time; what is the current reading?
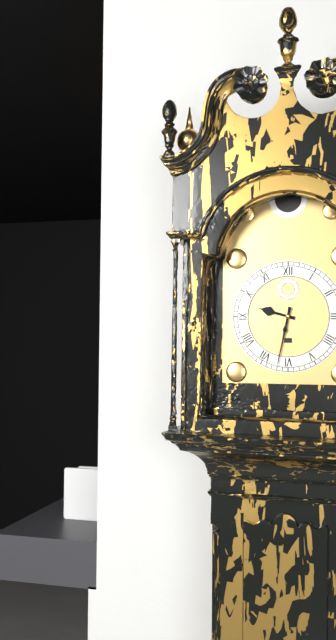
9:32
